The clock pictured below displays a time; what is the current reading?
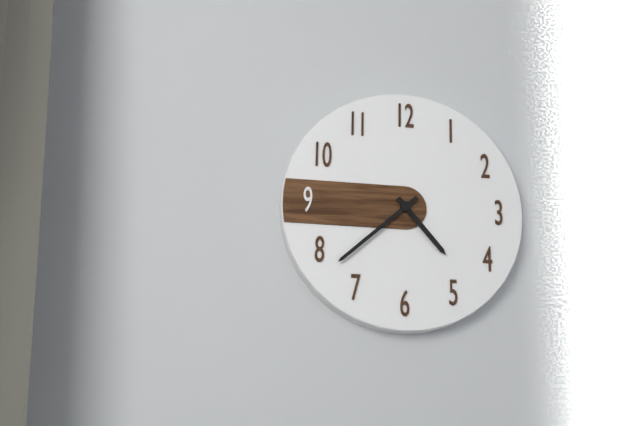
4:38
